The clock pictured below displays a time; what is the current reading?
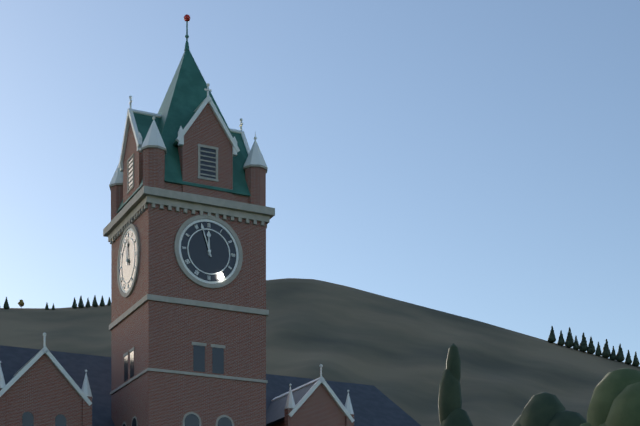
11:57
